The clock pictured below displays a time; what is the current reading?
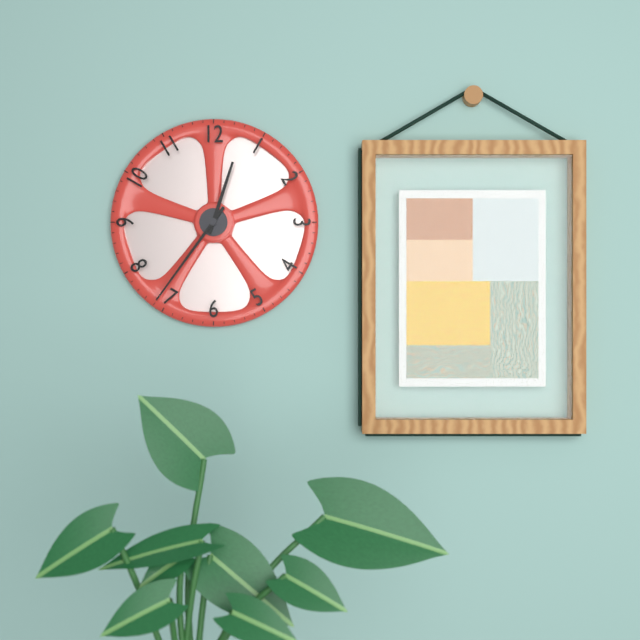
12:36
